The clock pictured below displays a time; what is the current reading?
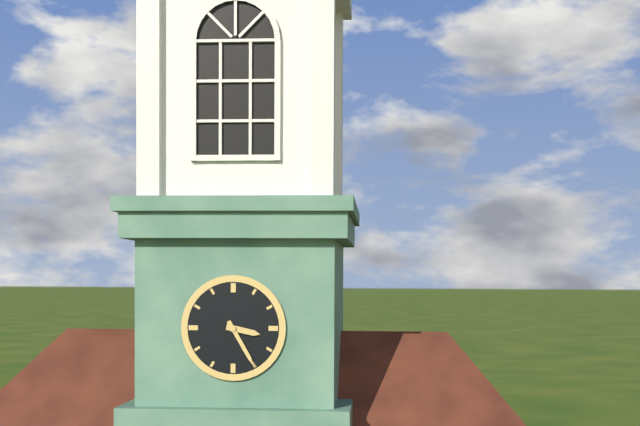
3:25
